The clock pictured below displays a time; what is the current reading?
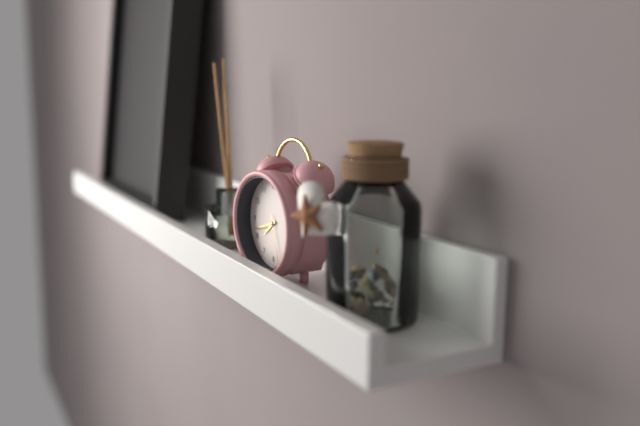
7:42
